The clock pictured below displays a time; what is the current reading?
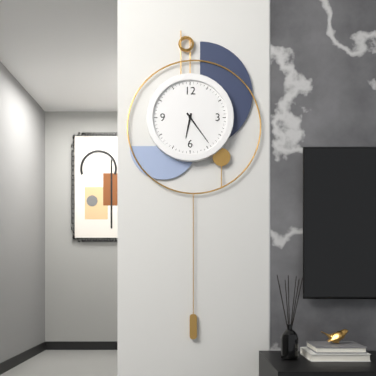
6:24
